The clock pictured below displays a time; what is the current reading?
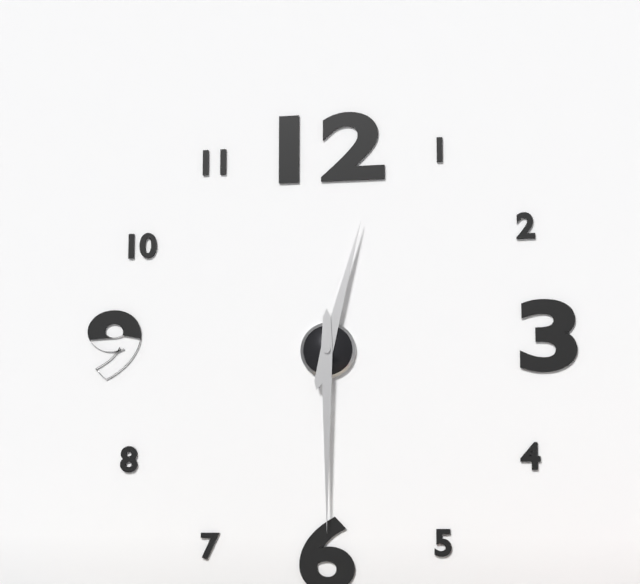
12:30
